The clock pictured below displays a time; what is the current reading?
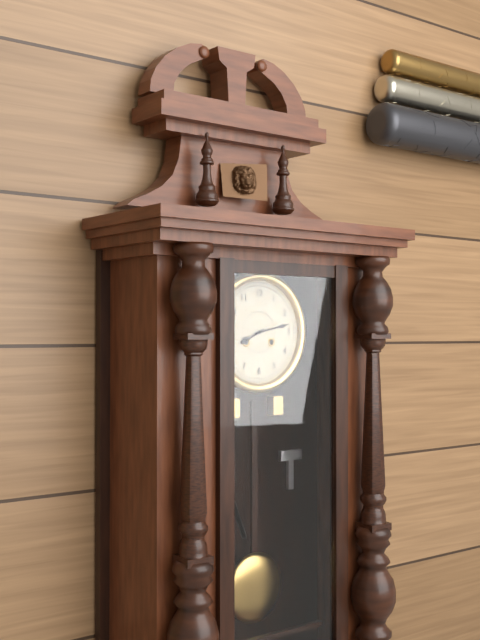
8:13
